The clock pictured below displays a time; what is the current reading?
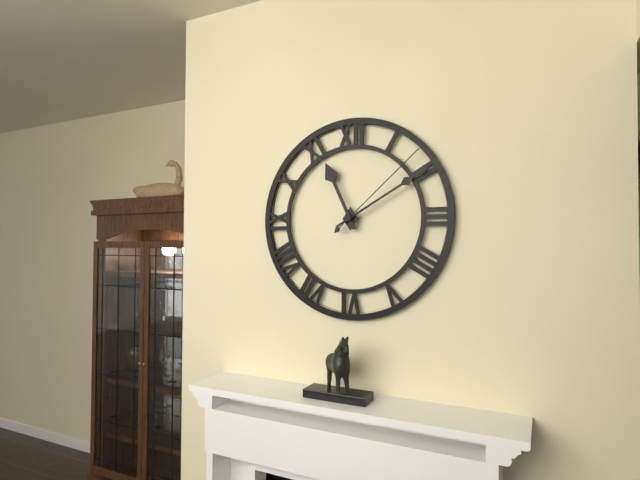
11:10:08
